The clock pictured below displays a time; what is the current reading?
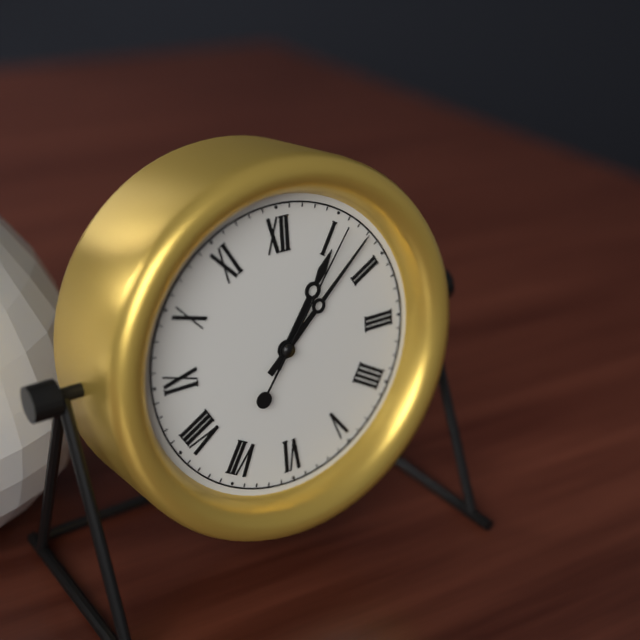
1:08:06
